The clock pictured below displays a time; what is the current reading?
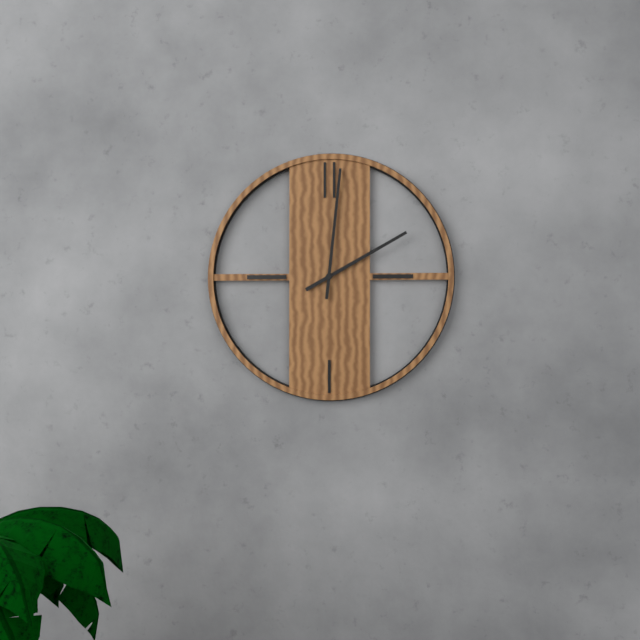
2:01
